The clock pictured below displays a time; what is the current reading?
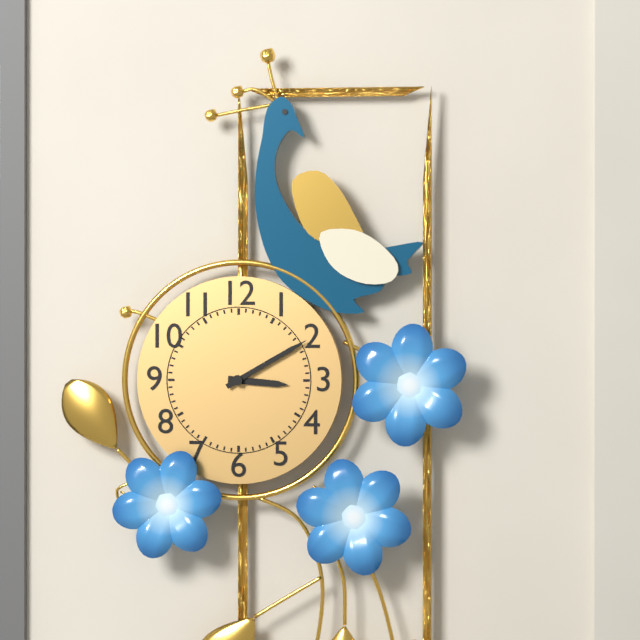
3:10
